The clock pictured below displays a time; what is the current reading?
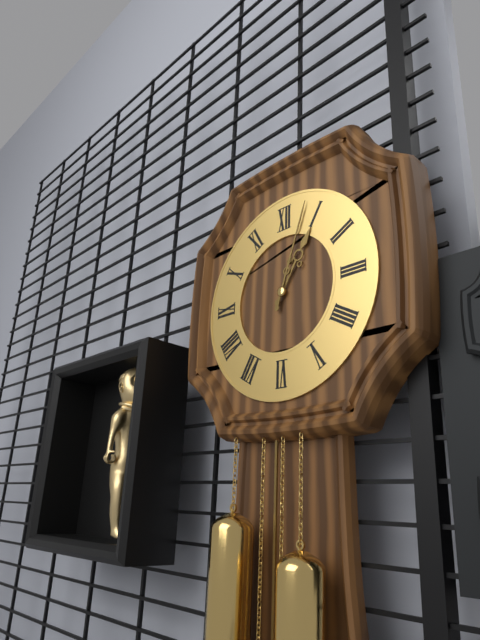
1:03
